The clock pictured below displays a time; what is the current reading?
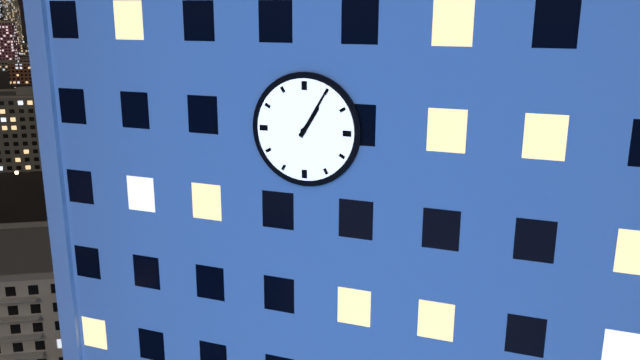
1:05
